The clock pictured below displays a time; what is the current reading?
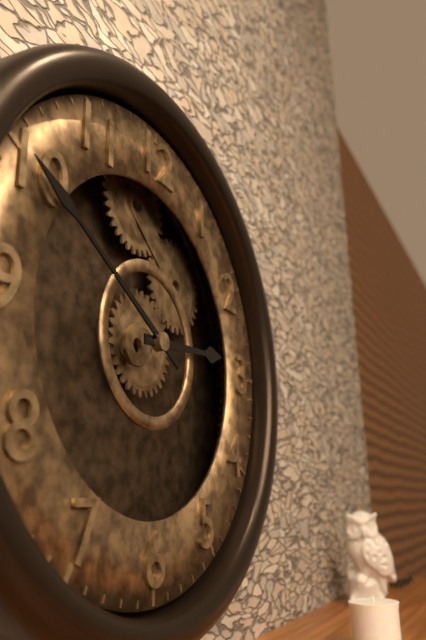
2:50
